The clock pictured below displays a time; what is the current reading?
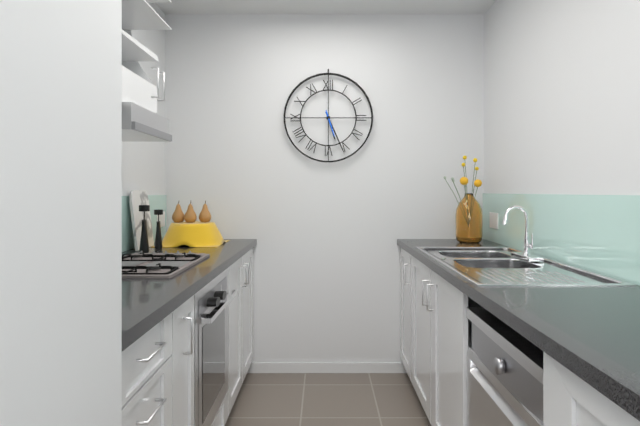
5:26
